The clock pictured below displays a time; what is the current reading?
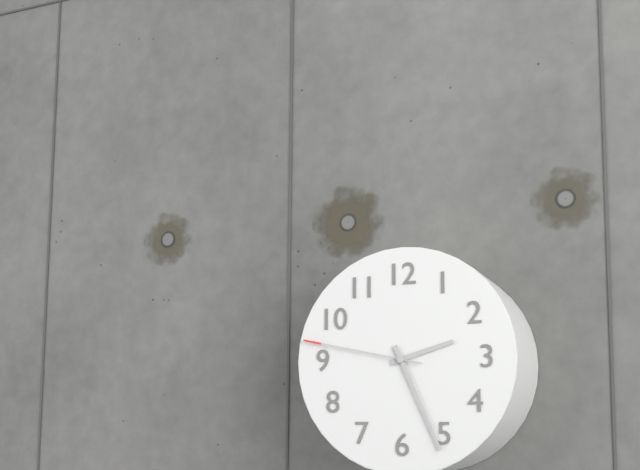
2:26:47
